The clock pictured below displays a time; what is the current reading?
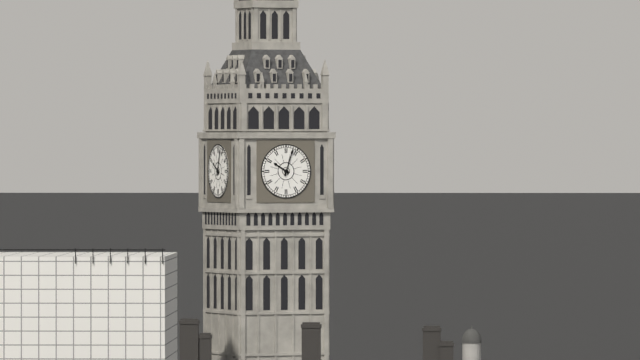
10:03
